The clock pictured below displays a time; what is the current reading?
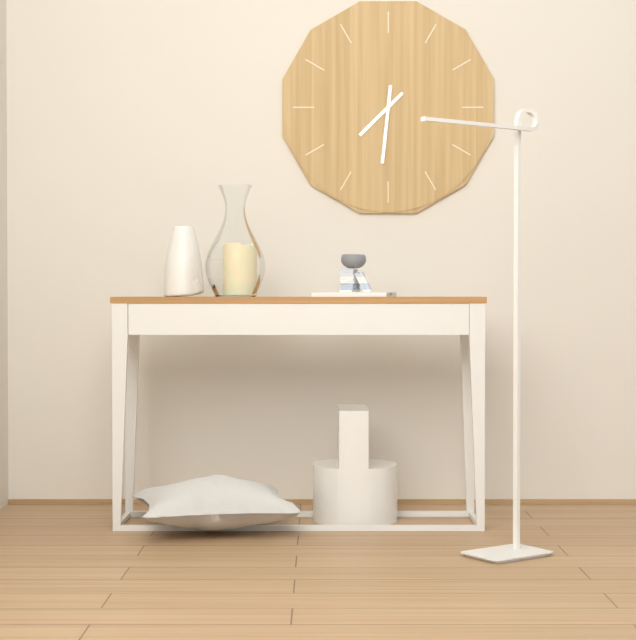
7:31
